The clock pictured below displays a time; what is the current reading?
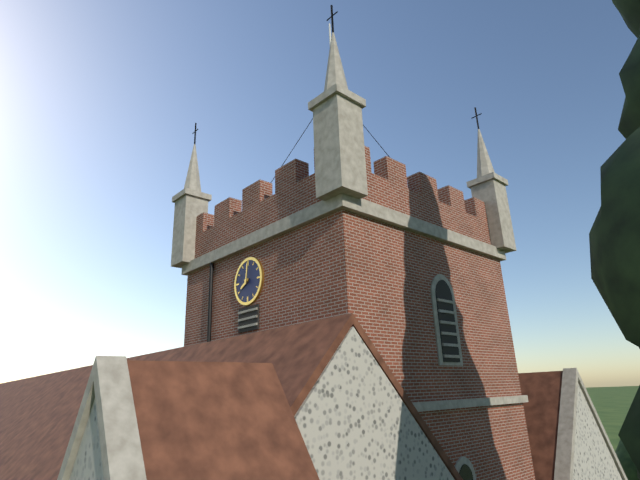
8:01
